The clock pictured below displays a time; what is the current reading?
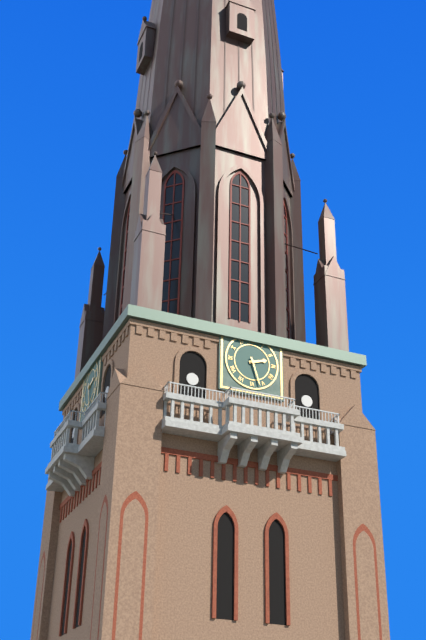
2:27
